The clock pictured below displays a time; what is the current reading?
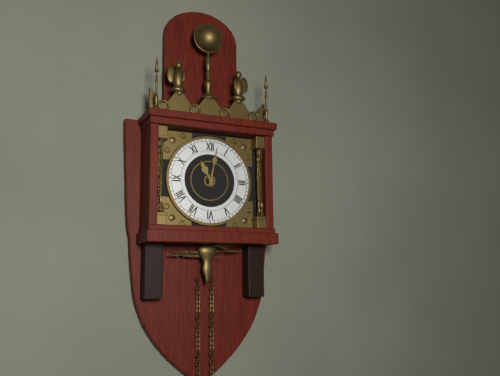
11:02
